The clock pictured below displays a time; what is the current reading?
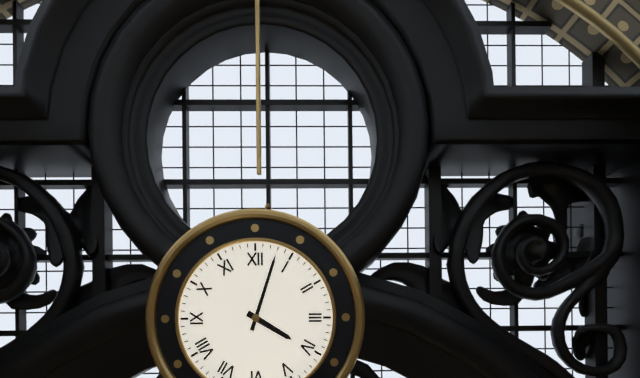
4:03
